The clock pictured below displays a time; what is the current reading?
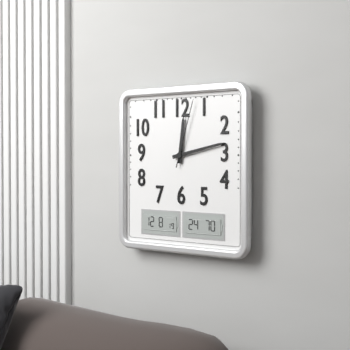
12:13:03
